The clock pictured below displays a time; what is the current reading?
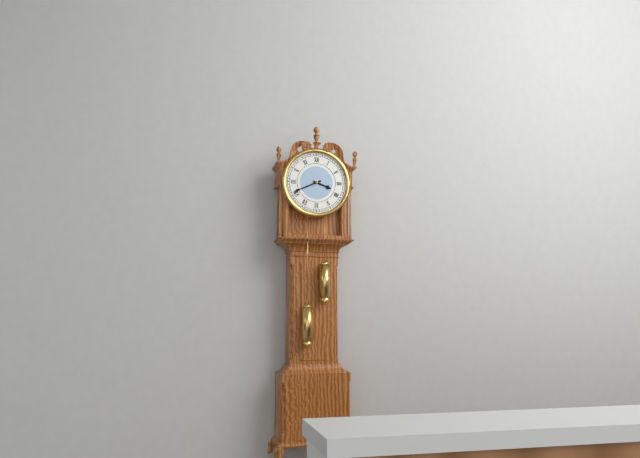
3:41
